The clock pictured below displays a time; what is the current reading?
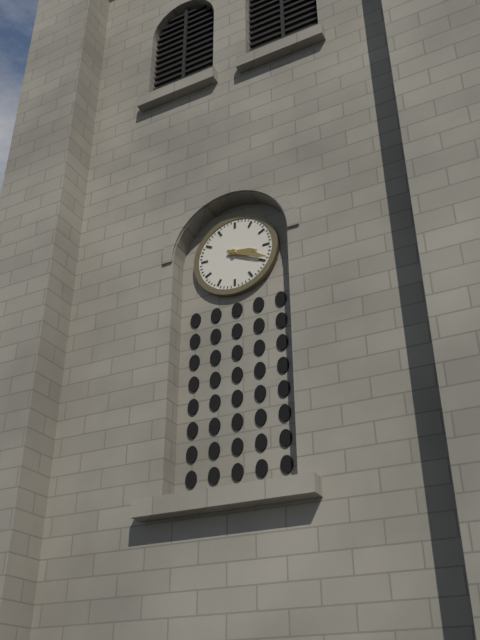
3:19
